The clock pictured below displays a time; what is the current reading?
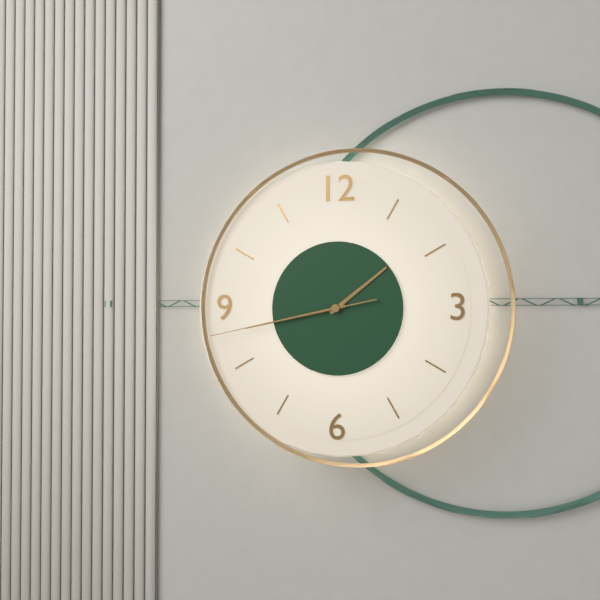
1:43:43
